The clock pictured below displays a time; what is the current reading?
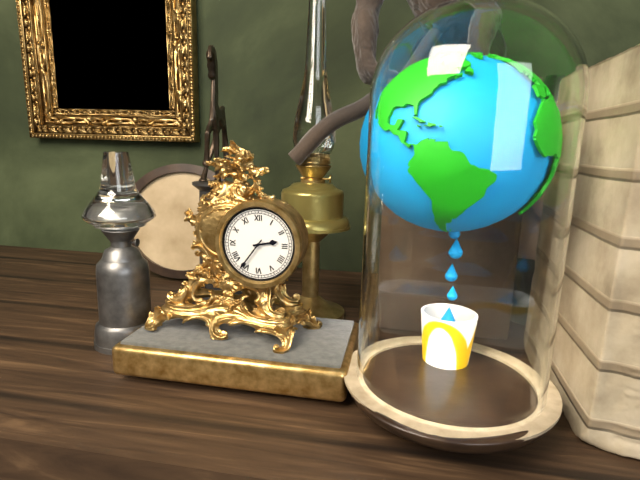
2:36
